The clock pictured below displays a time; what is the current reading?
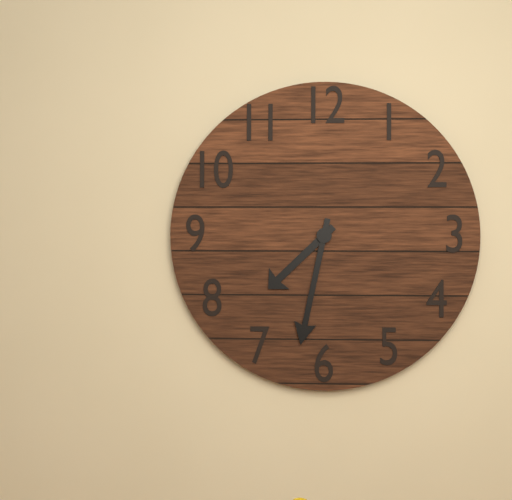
7:32
